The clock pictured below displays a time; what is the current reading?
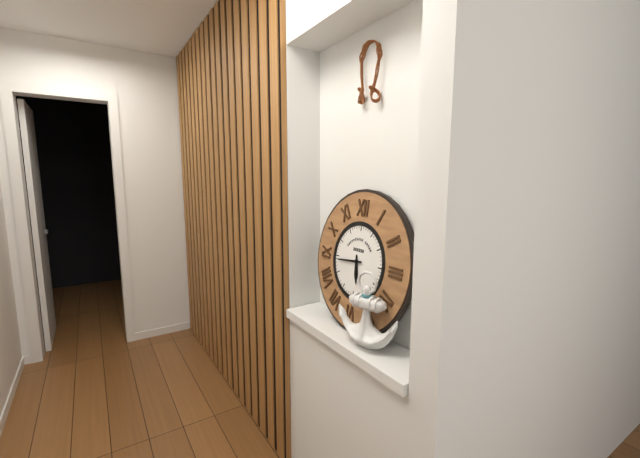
5:44
